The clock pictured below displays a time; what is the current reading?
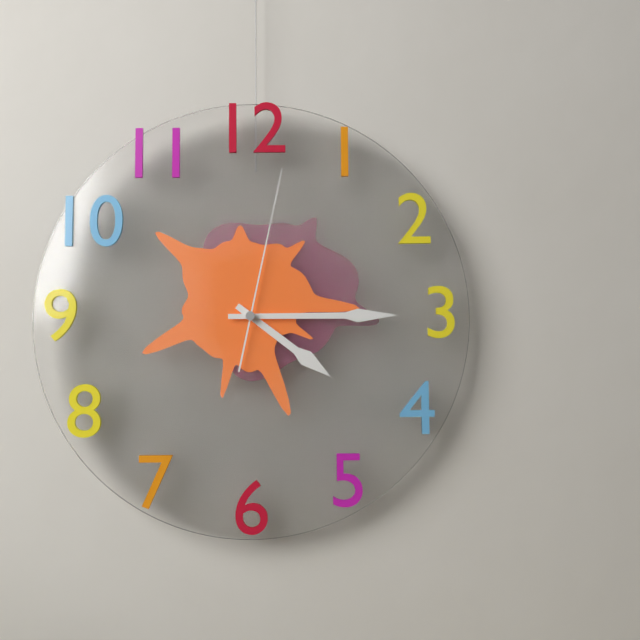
4:15:02
